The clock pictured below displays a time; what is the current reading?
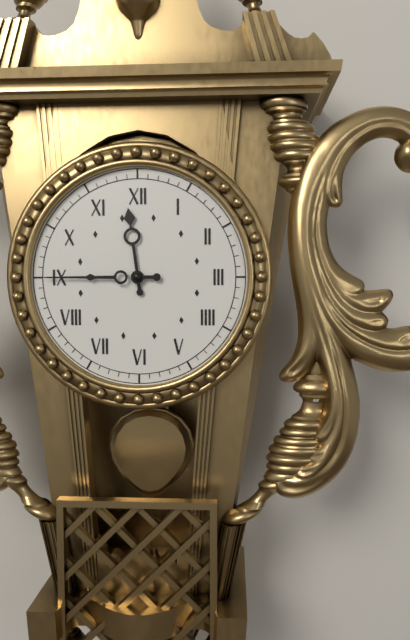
11:45
